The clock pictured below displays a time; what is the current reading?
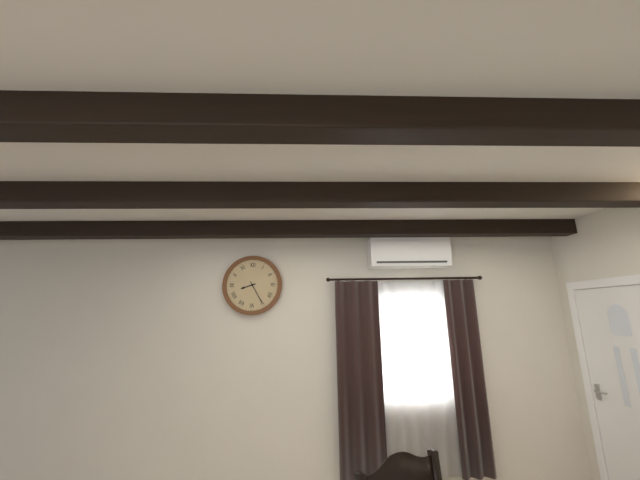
8:25
